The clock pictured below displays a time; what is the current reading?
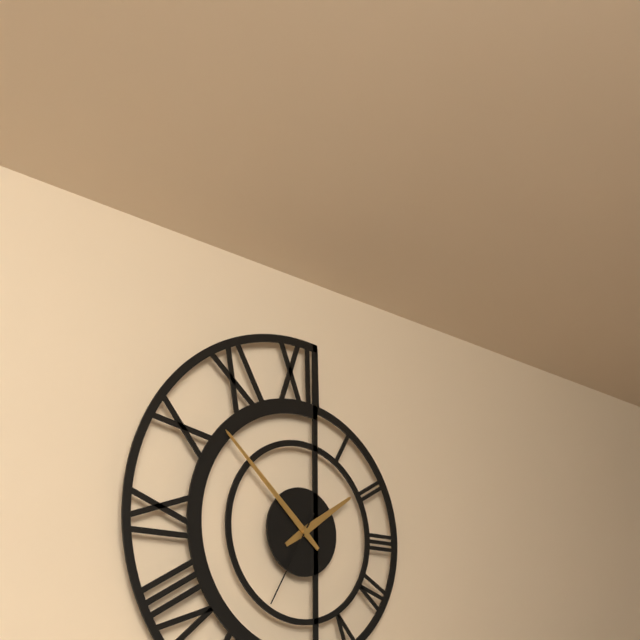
1:52:35
